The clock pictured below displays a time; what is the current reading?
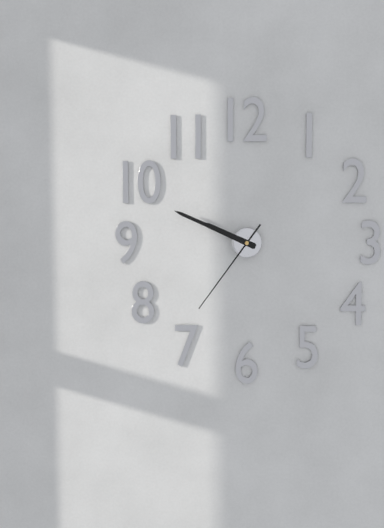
9:49:36
